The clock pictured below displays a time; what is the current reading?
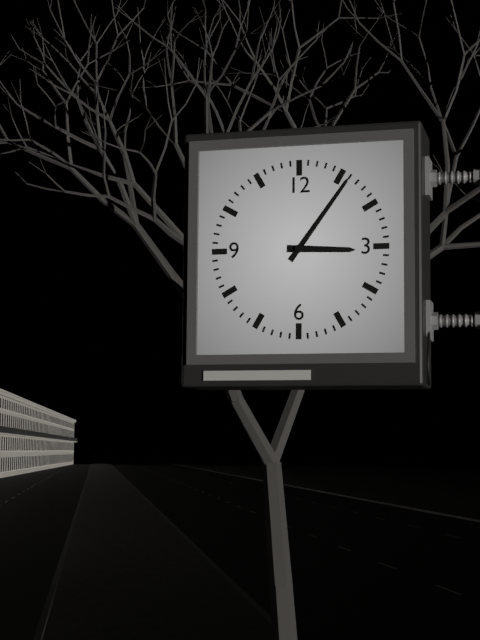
3:06
